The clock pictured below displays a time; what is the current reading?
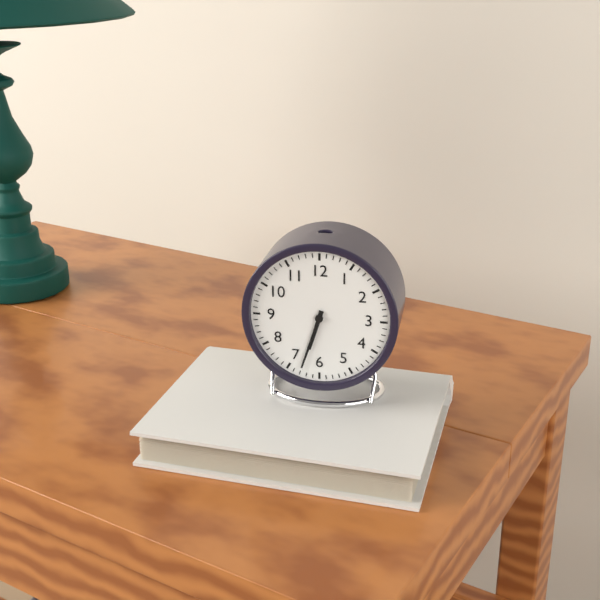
6:33
